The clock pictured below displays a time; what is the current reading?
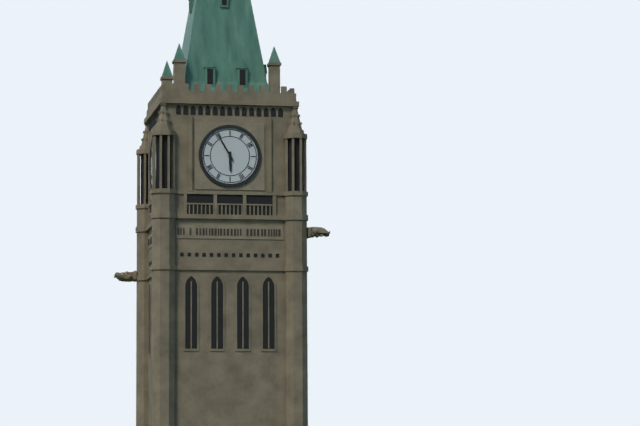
5:55
